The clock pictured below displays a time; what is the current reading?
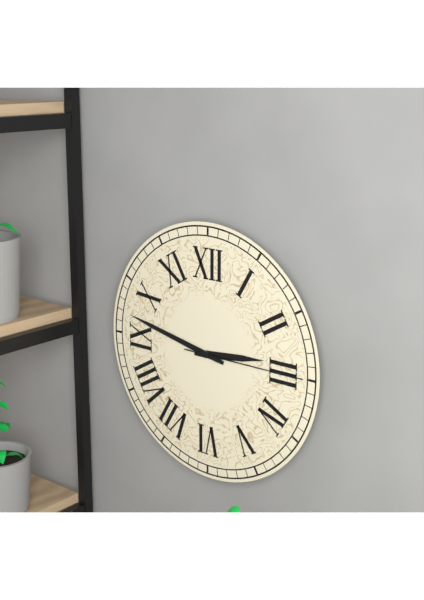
2:47:15
